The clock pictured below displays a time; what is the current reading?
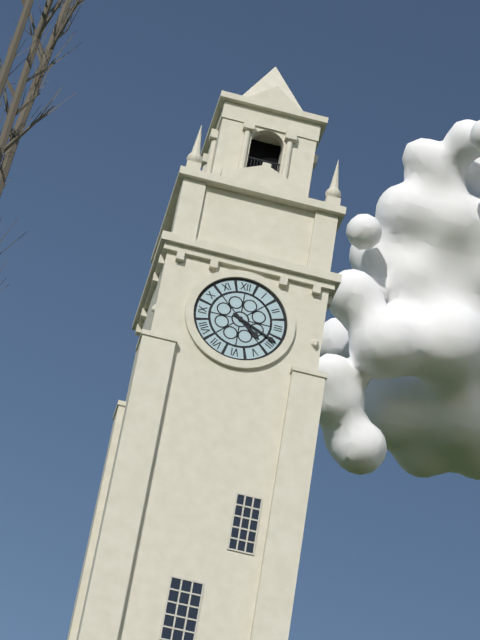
4:19
